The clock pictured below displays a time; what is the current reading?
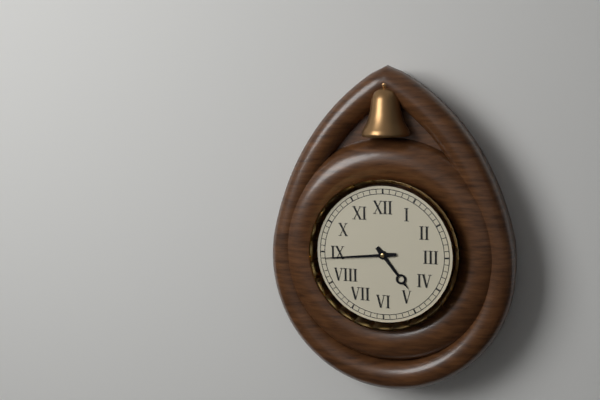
4:44
